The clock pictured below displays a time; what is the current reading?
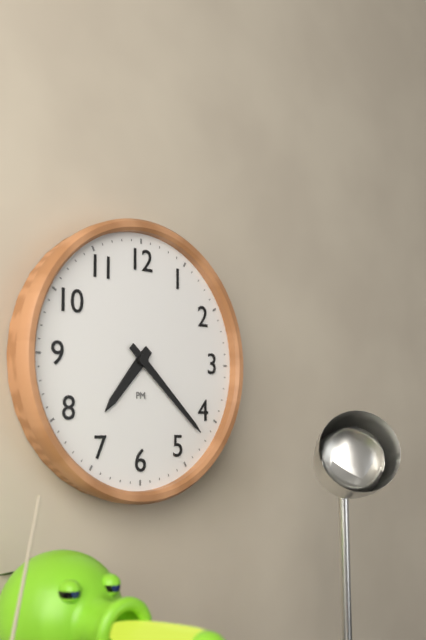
7:22
